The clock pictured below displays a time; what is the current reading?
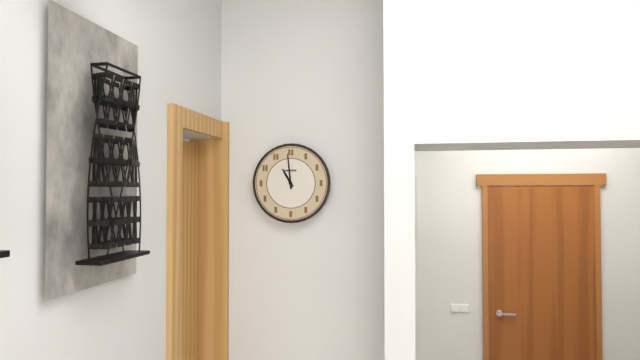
10:59
